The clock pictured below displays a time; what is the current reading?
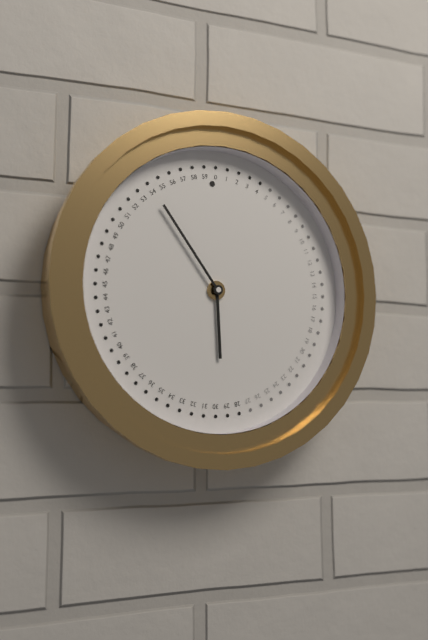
5:54
